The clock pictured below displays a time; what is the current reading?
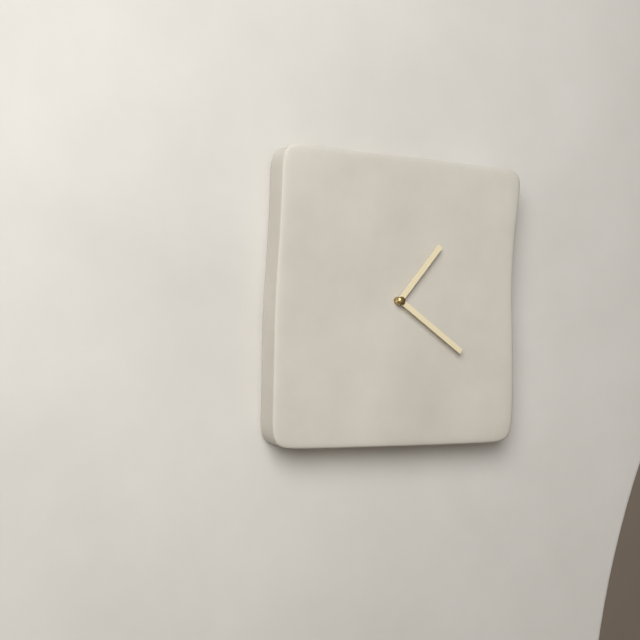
1:21
